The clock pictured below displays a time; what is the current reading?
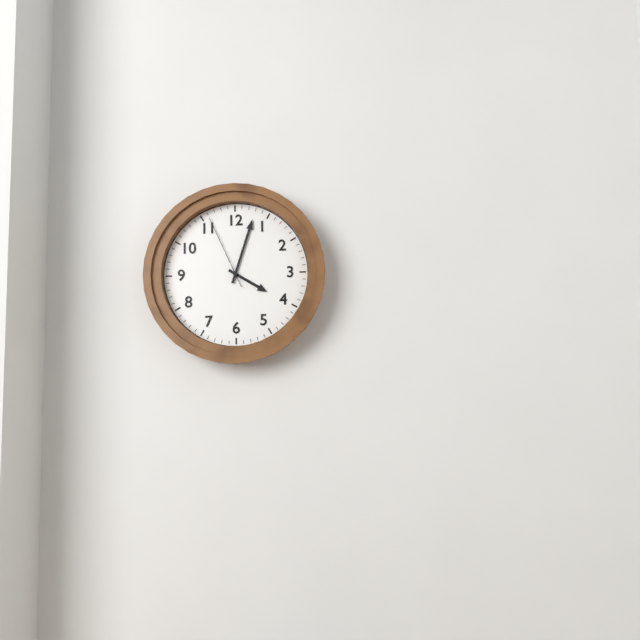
4:03:56
